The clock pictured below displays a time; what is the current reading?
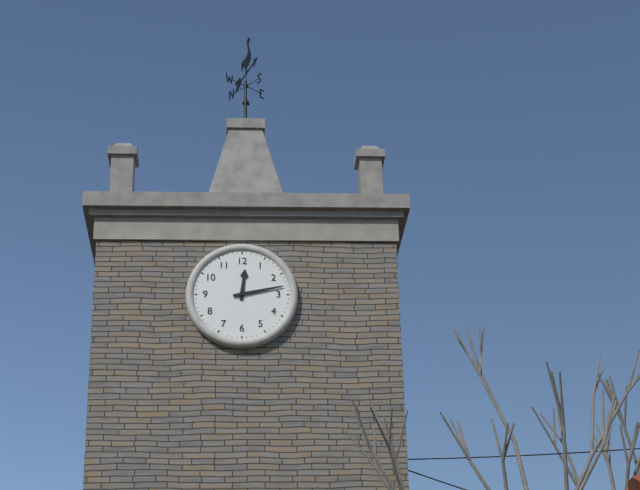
12:13
